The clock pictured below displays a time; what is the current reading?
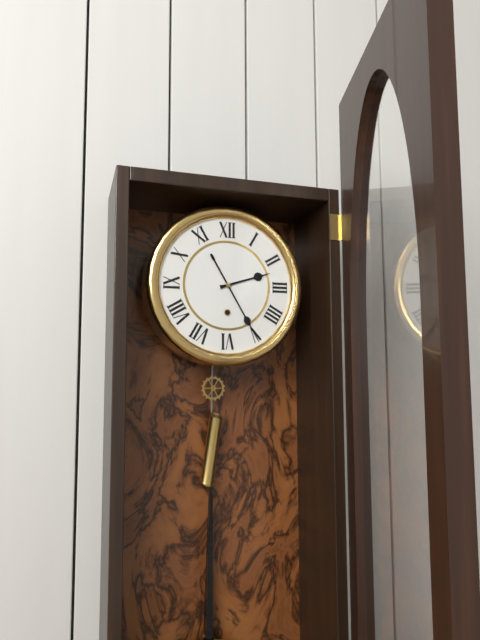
2:25
